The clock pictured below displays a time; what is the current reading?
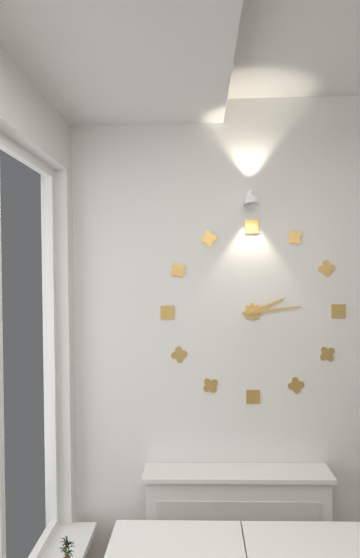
2:14
